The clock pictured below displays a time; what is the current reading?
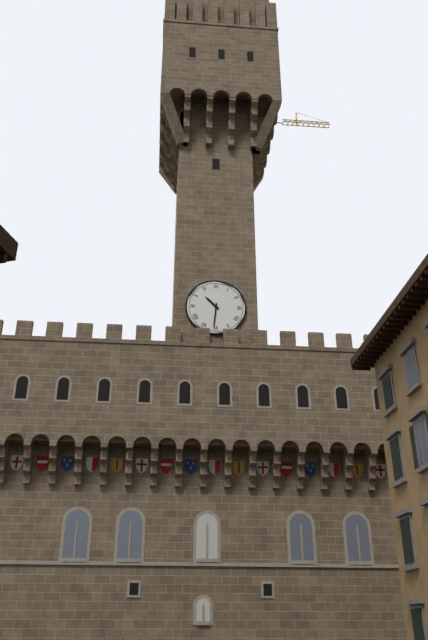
10:31
